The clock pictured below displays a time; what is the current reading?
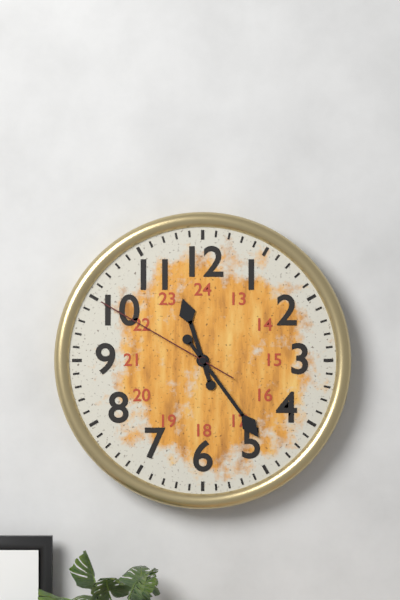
11:24:50
